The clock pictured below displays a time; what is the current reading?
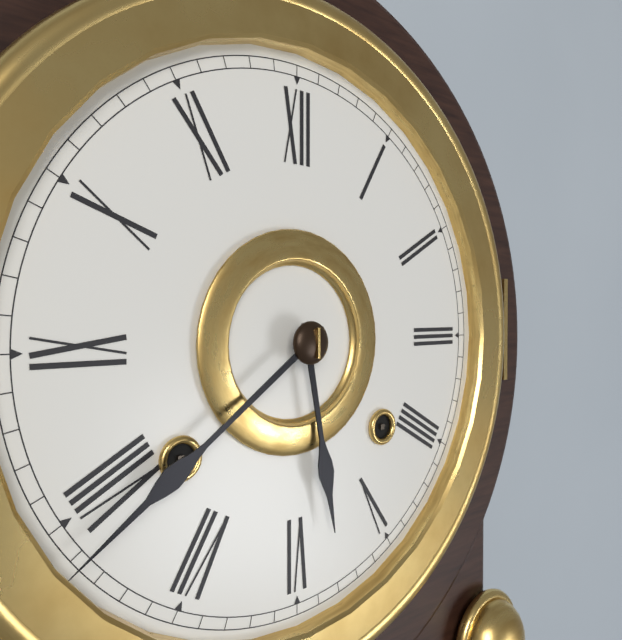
5:39
